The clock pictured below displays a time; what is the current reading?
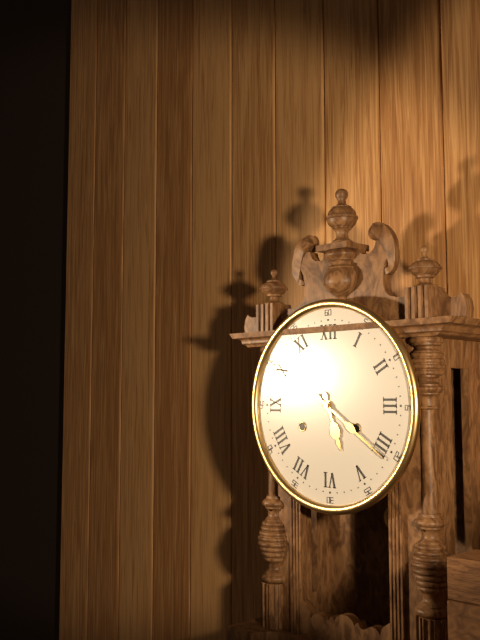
5:21
